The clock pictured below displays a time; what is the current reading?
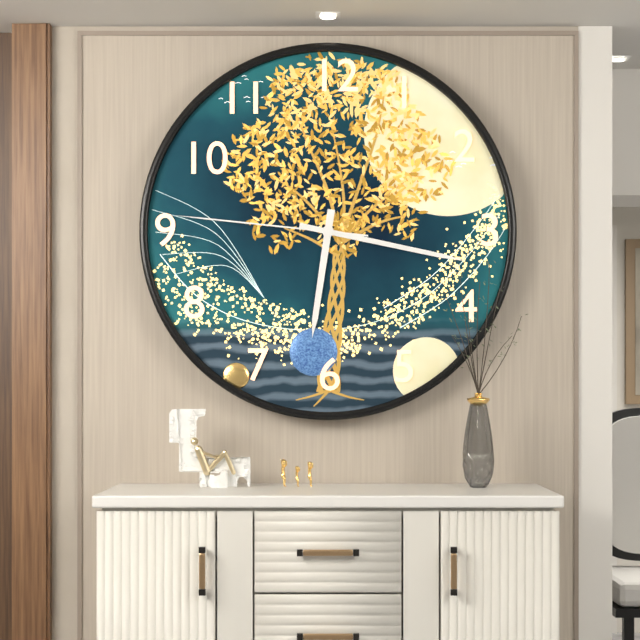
6:17:46
